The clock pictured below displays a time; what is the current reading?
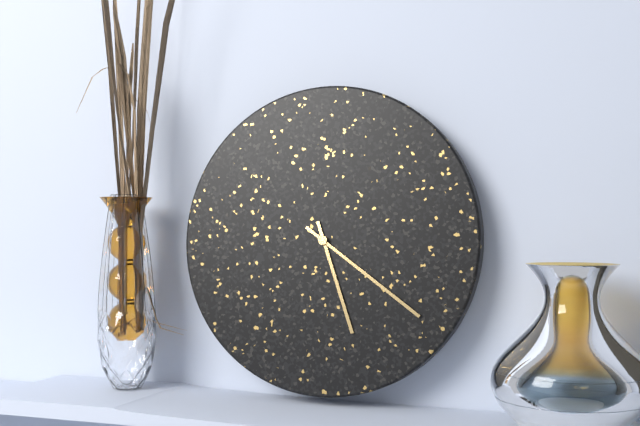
5:21
